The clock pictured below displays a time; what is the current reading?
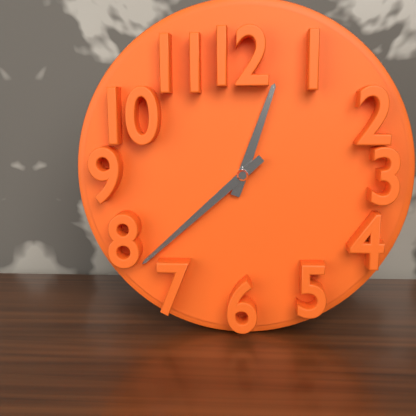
12:38
